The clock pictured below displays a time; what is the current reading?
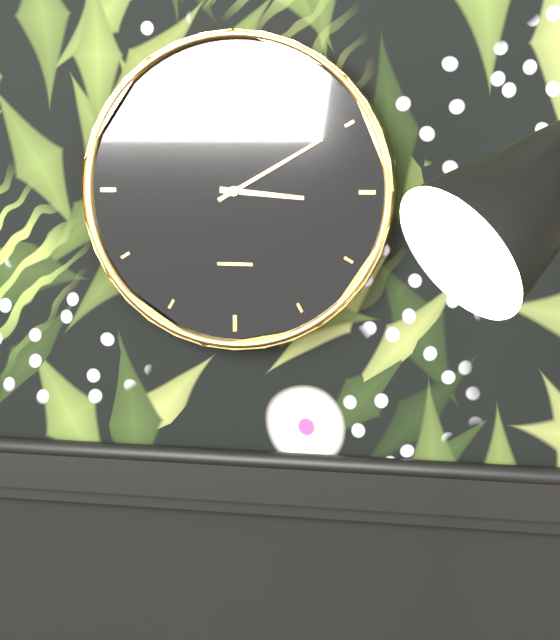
3:10
